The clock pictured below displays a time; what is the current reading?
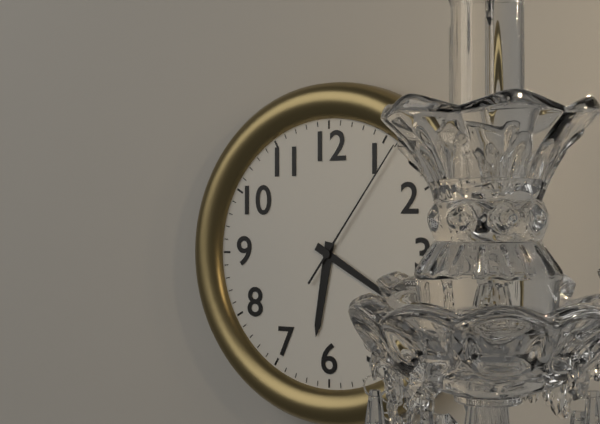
6:20:06
